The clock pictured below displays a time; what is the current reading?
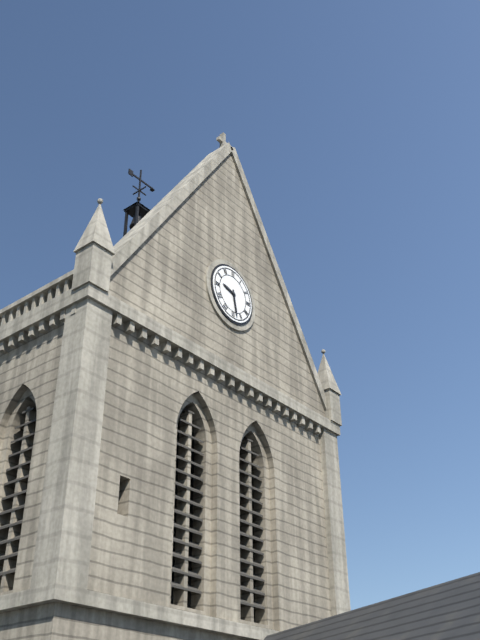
9:28
